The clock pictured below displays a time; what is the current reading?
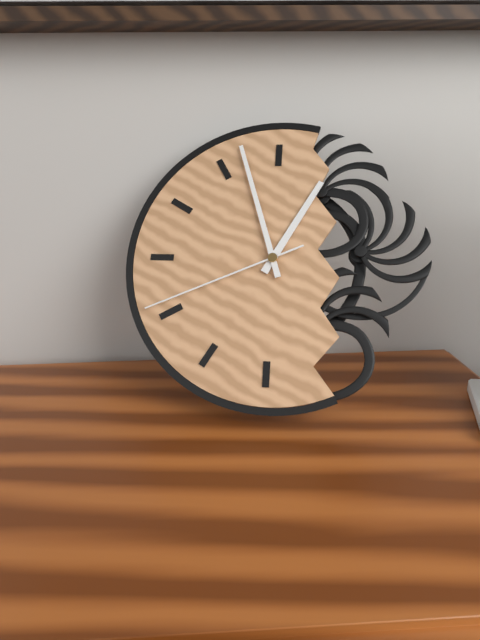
12:57:41
